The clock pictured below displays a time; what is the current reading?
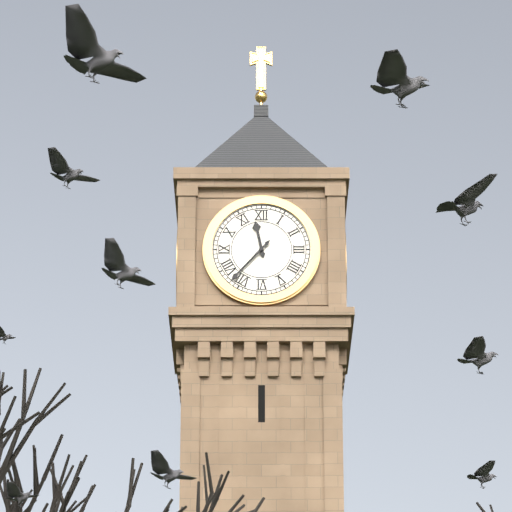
11:37
